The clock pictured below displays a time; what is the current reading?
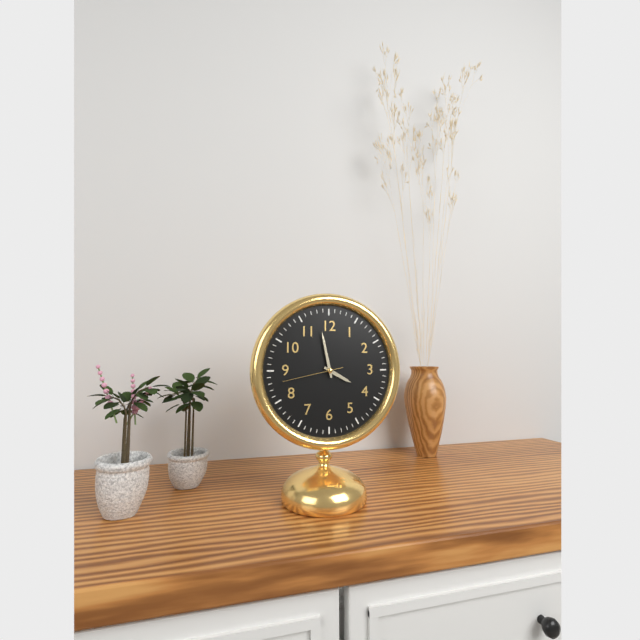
3:58:43
